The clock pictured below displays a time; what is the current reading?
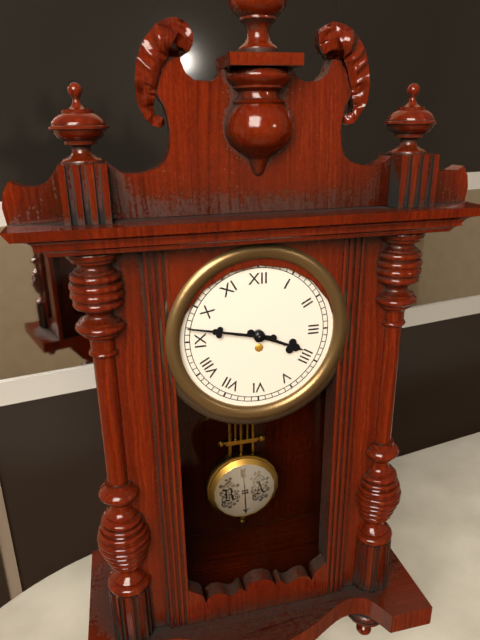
3:47
